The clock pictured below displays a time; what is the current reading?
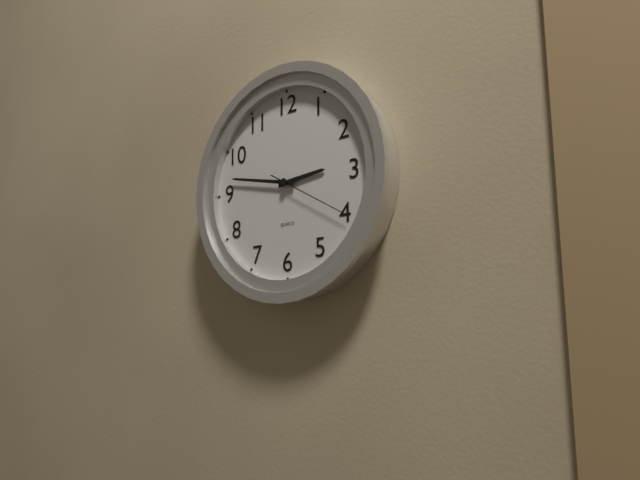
2:47:20
